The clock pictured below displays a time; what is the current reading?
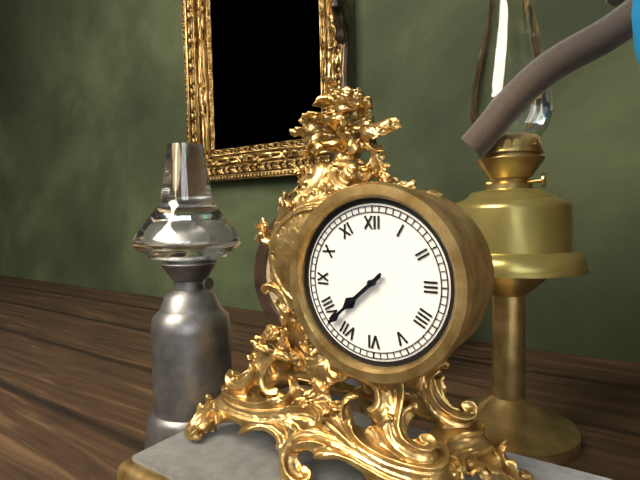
7:38
